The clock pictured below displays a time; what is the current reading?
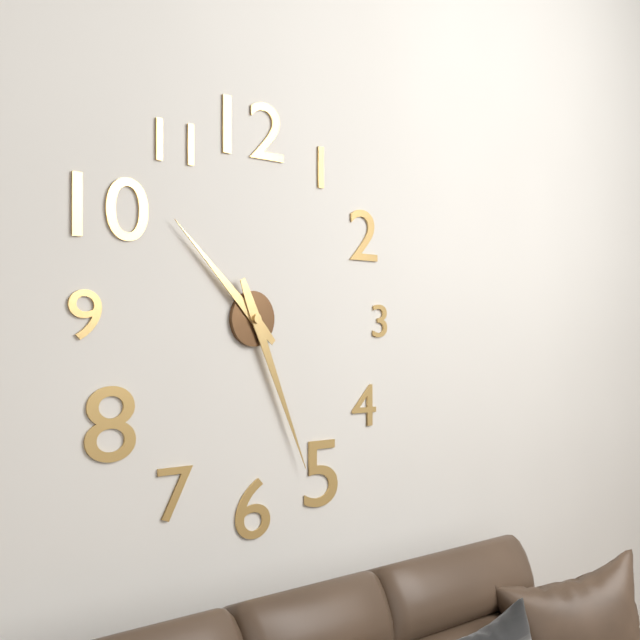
10:26
